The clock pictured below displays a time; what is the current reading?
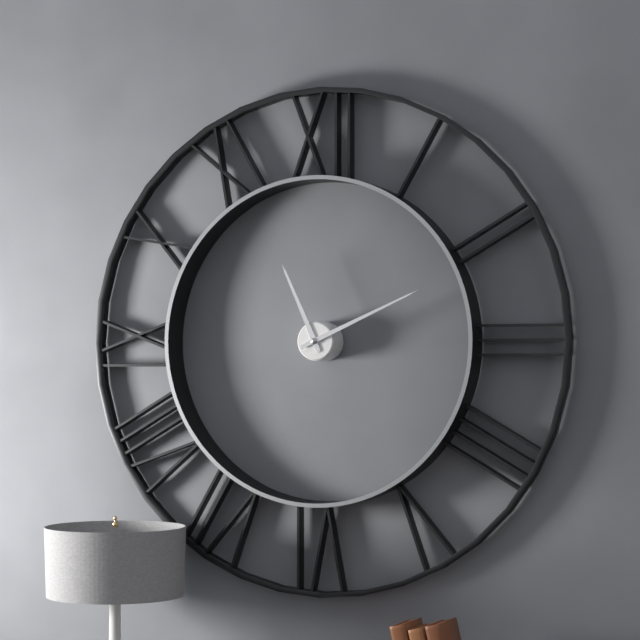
11:11
